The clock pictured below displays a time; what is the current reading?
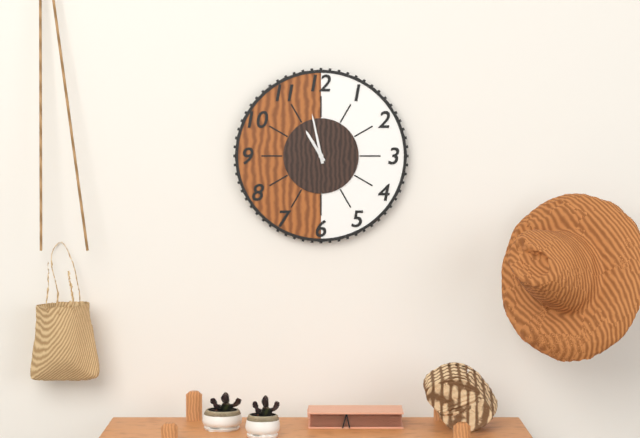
10:58
